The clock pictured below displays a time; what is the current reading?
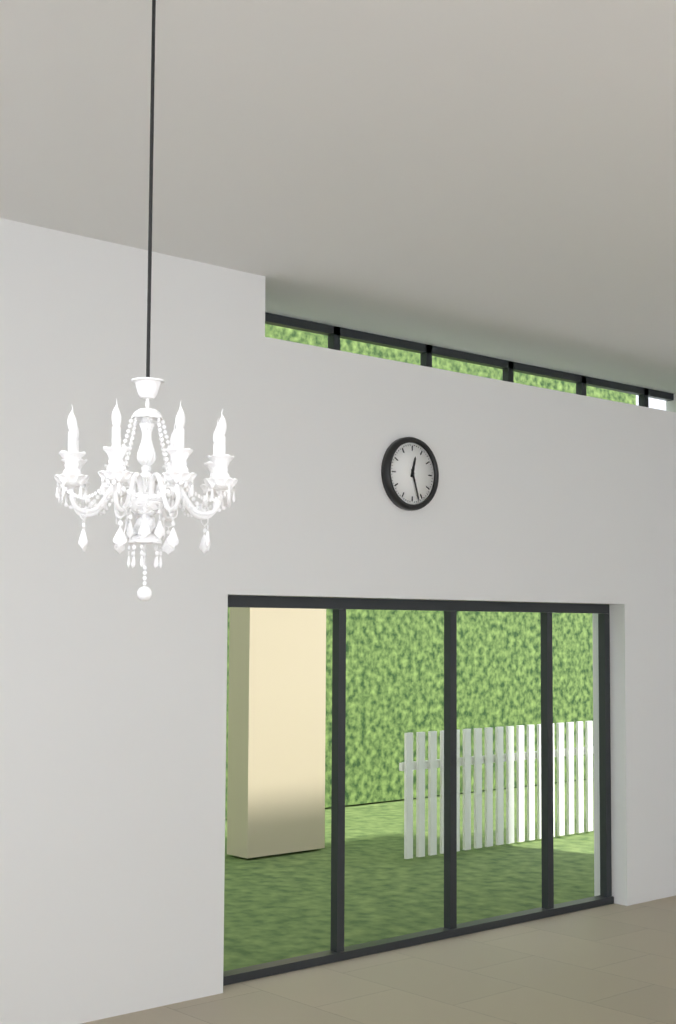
12:27
